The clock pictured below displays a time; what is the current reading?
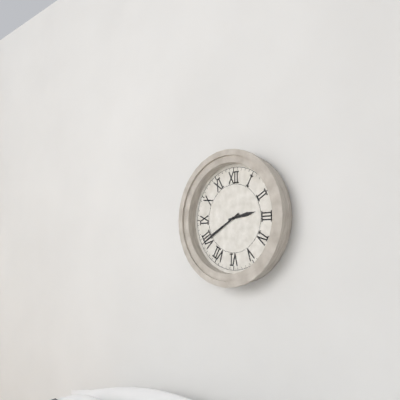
2:40
